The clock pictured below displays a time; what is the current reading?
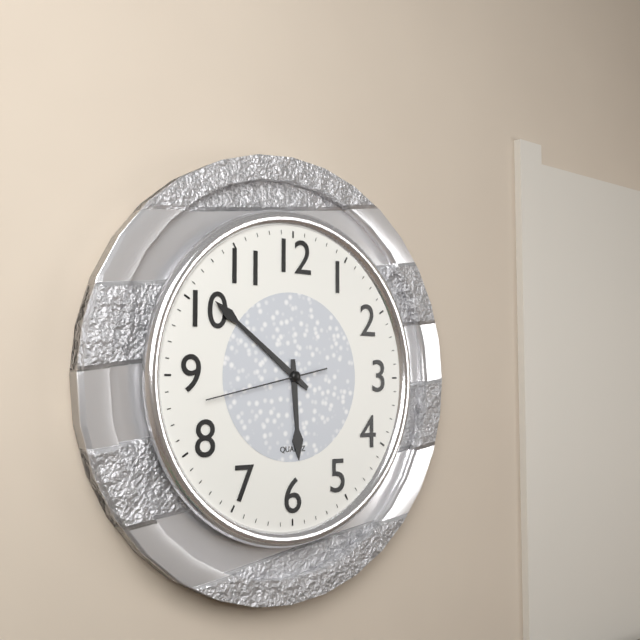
5:51:43
